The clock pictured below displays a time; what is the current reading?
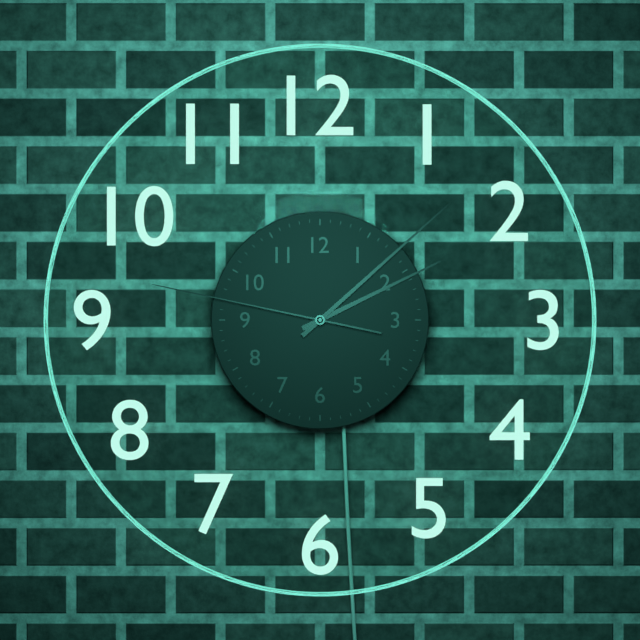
2:08:47
